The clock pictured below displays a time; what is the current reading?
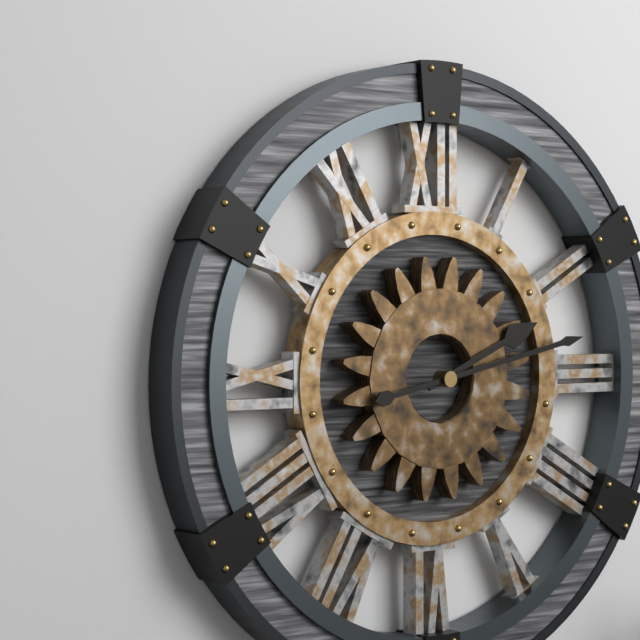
2:13
